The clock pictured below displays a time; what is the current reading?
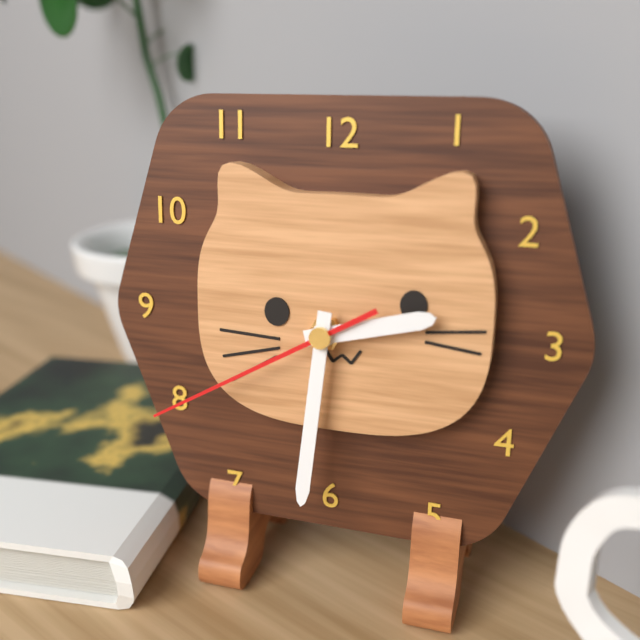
2:31:40
